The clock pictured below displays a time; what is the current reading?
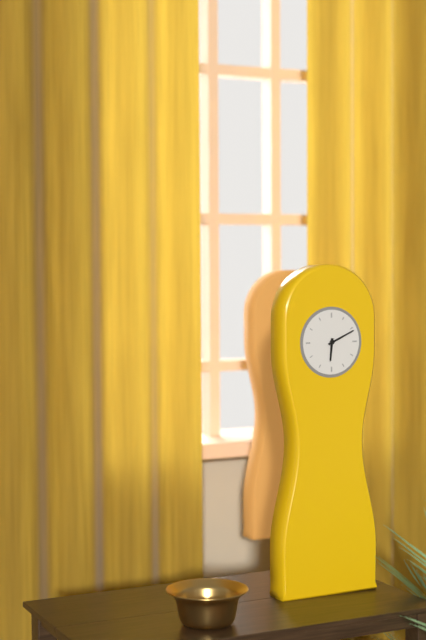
6:11
